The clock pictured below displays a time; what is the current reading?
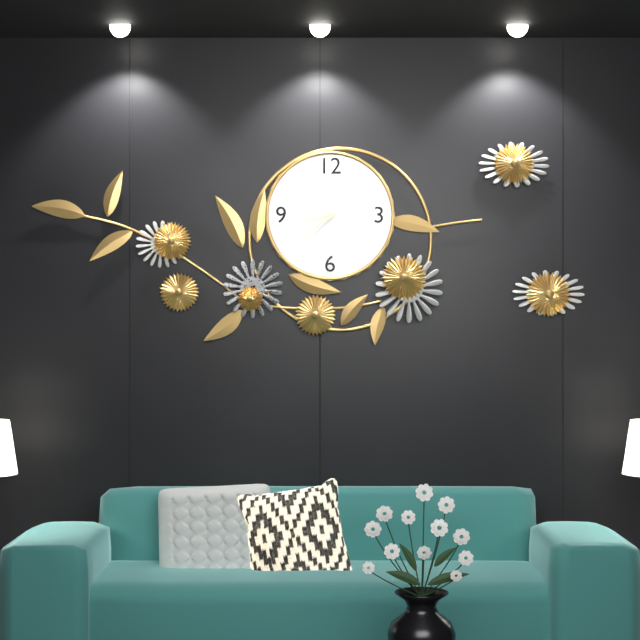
8:38
